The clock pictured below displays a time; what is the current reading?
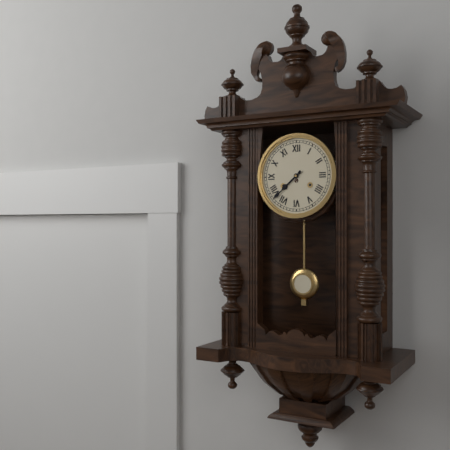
7:38
